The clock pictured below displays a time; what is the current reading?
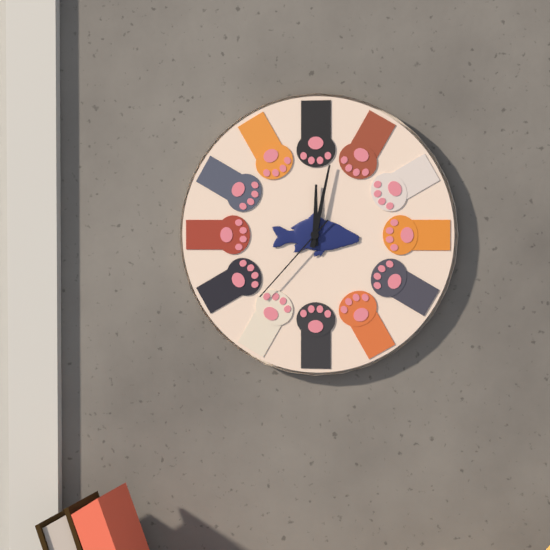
12:02:37
